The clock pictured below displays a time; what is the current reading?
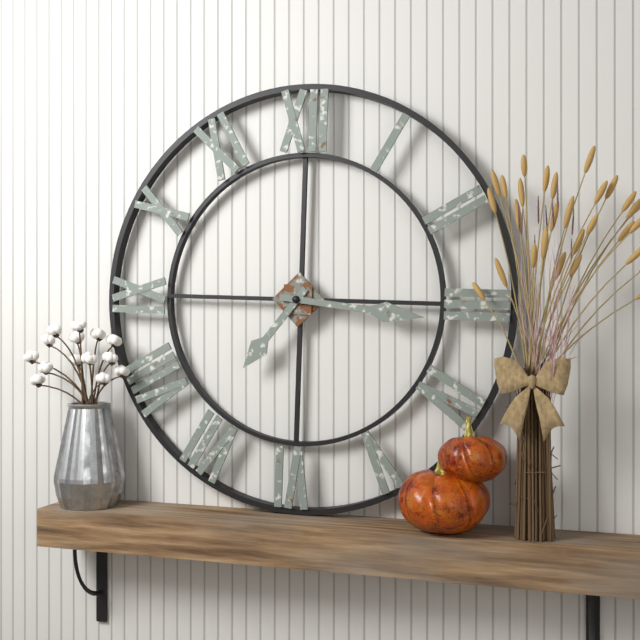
7:16
